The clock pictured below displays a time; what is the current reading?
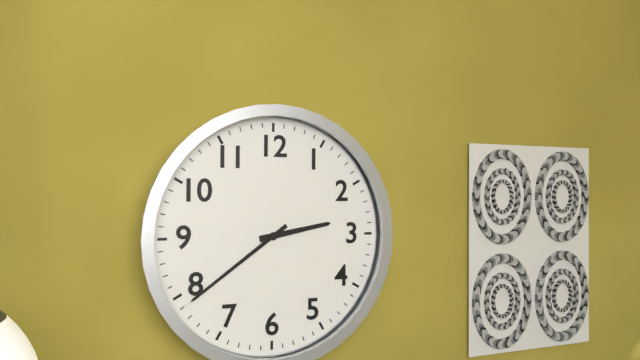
2:39
